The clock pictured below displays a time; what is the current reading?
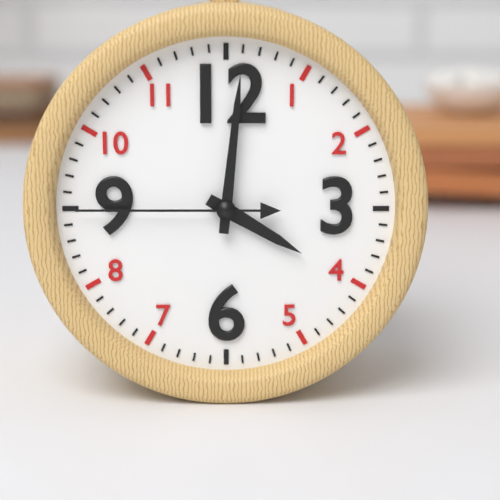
4:01:45
